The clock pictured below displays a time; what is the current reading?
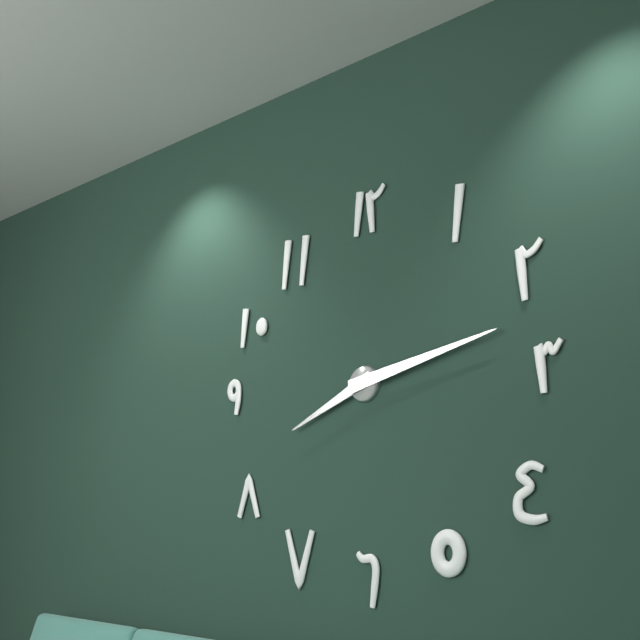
8:13
